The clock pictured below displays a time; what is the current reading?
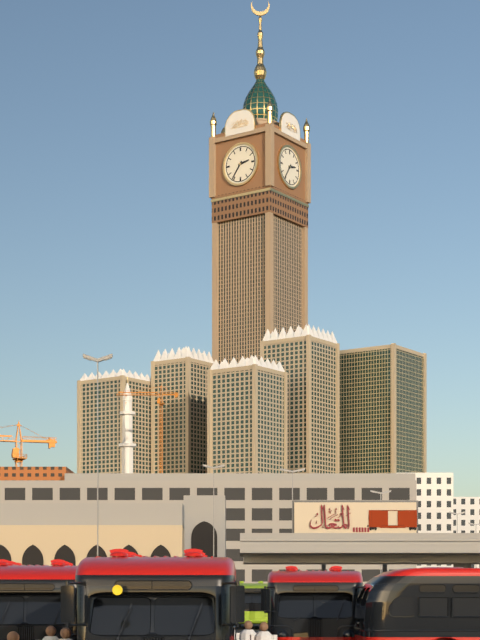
2:36
